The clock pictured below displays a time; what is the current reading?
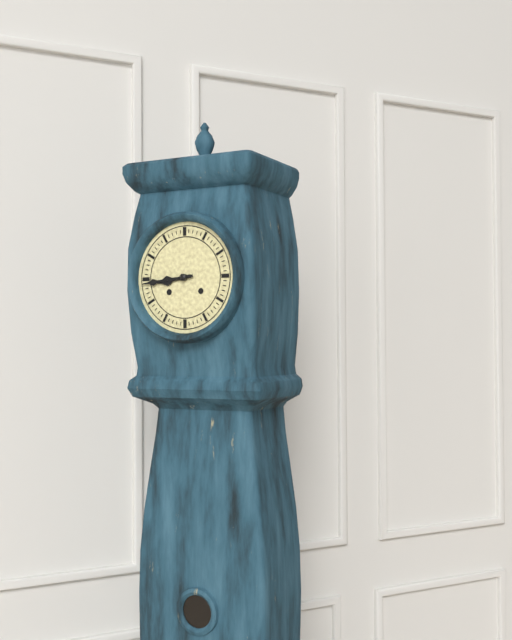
8:44
